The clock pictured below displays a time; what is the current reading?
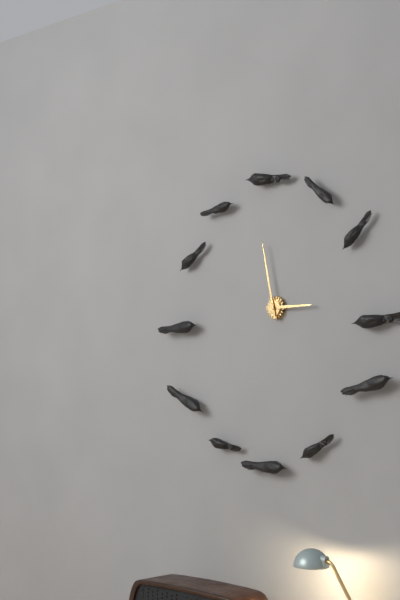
2:58
